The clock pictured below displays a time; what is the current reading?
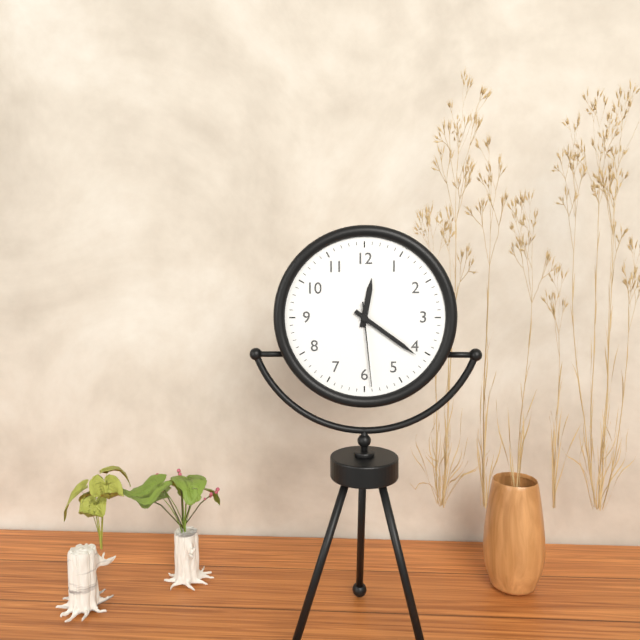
12:21:29
